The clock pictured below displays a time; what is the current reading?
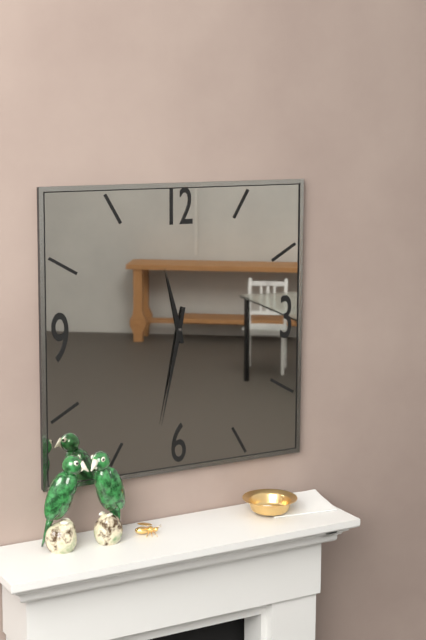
11:32
